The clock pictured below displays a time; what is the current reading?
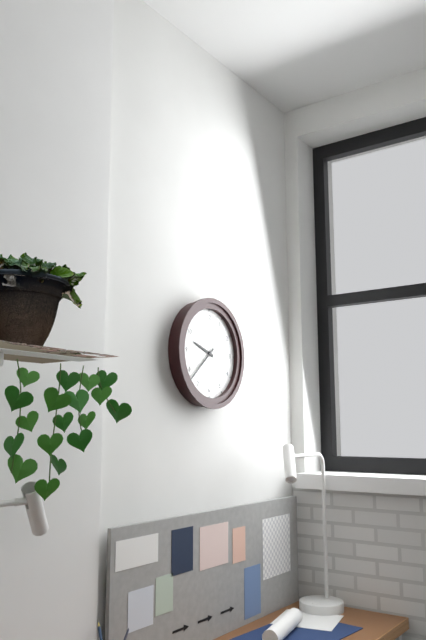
9:38
